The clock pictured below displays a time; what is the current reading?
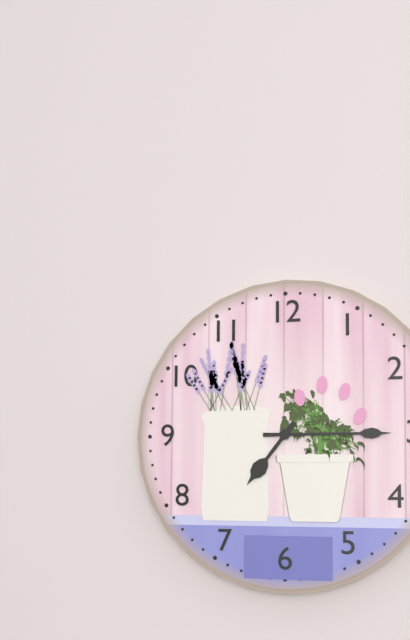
7:15
